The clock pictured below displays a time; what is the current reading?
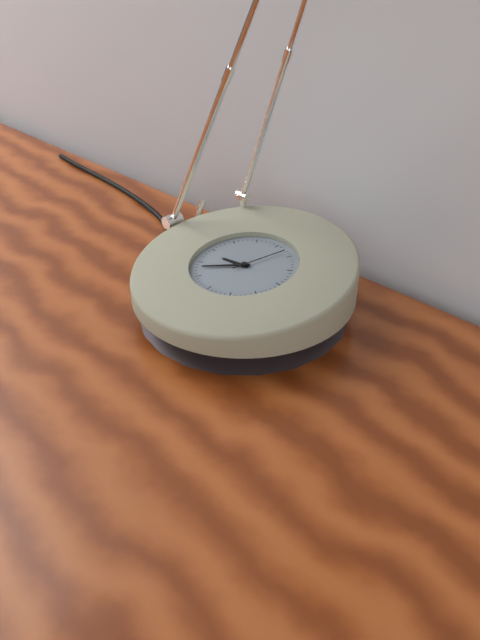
8:38:03
